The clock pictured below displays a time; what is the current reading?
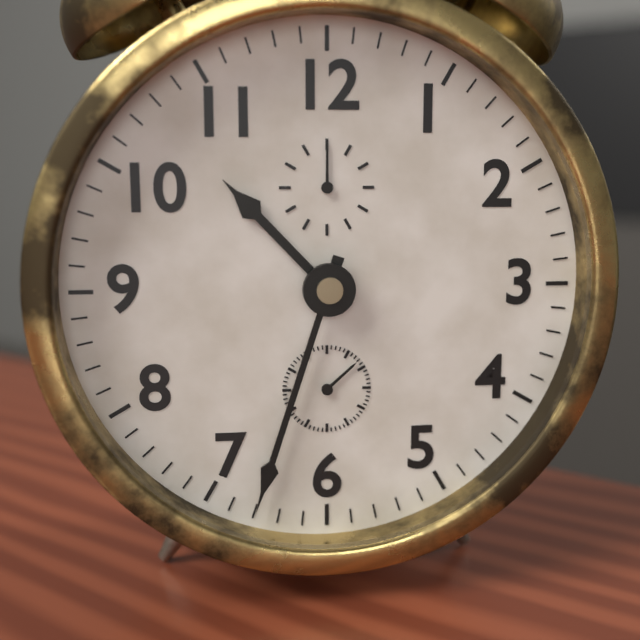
10:33
